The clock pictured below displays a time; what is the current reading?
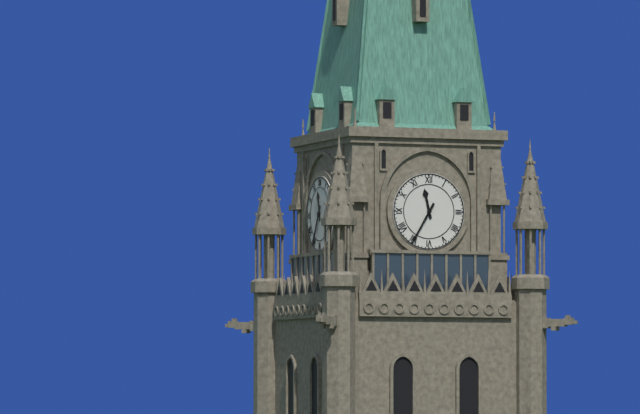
11:35
